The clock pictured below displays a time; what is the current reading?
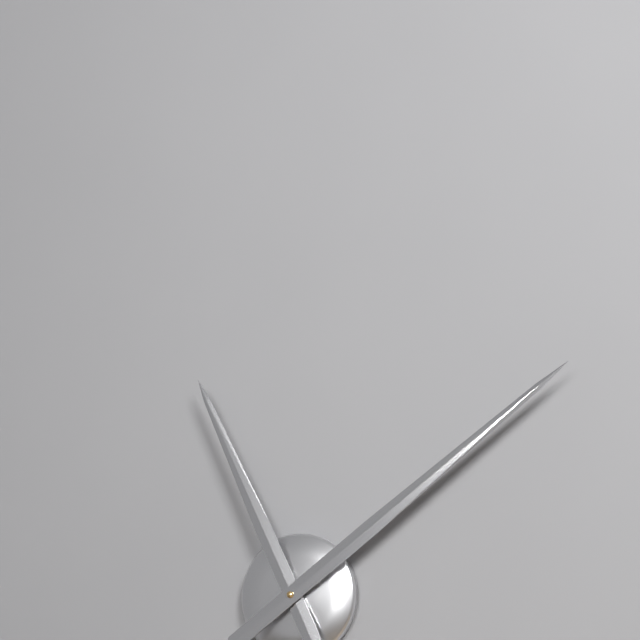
11:09
